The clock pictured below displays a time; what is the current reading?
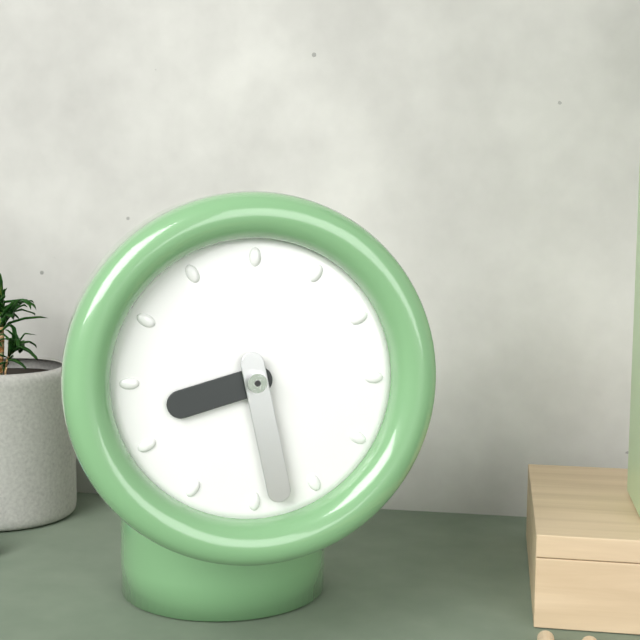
8:28
